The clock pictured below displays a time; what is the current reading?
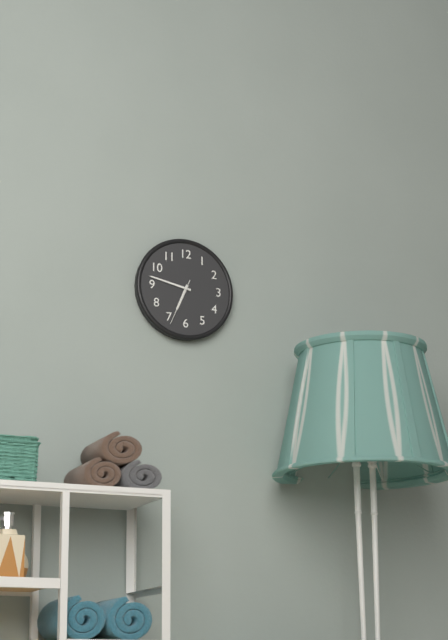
6:47
